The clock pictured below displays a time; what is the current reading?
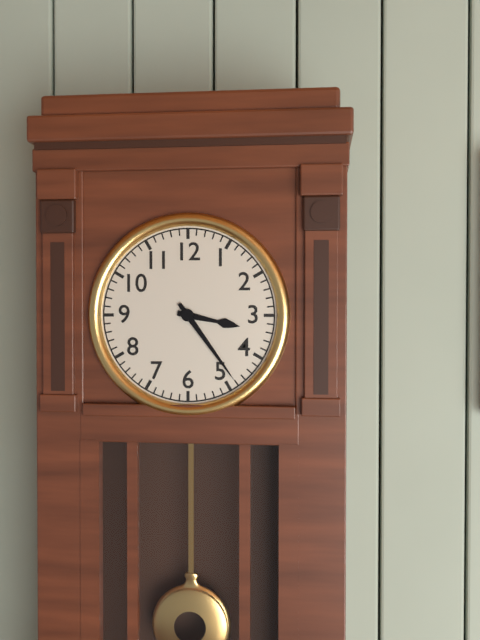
3:24
